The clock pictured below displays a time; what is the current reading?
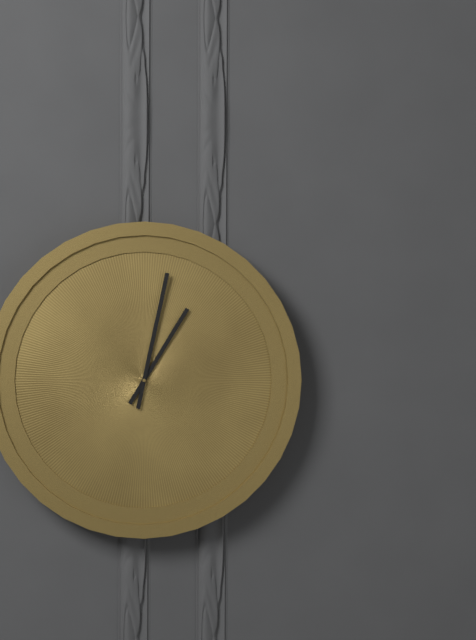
1:02
